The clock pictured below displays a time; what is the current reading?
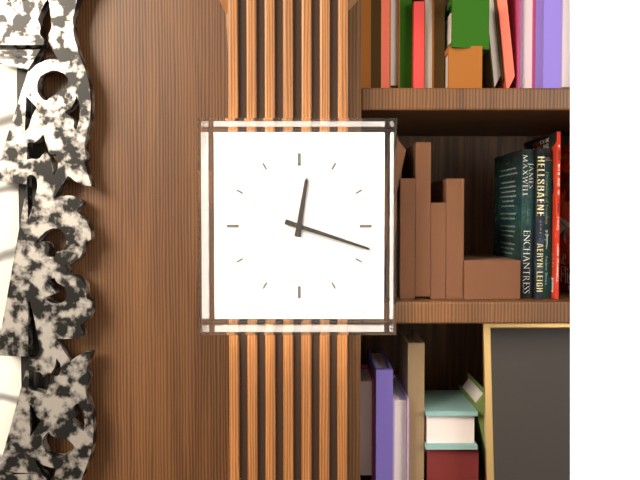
12:18
